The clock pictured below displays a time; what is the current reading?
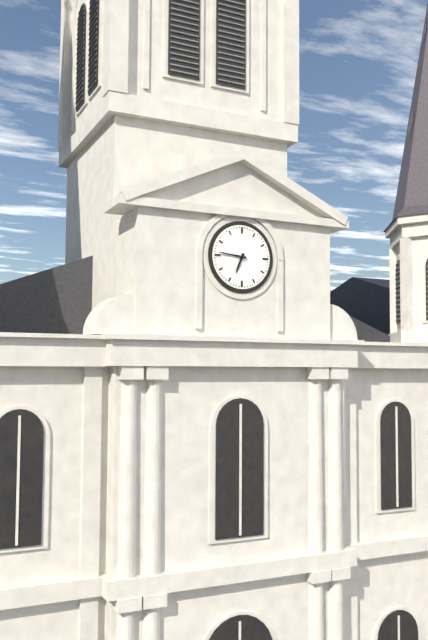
6:46
